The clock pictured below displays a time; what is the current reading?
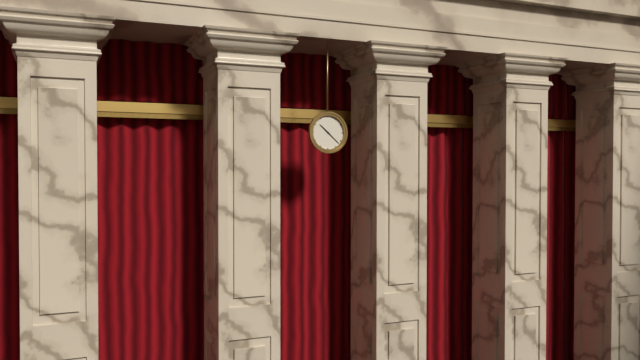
10:22
